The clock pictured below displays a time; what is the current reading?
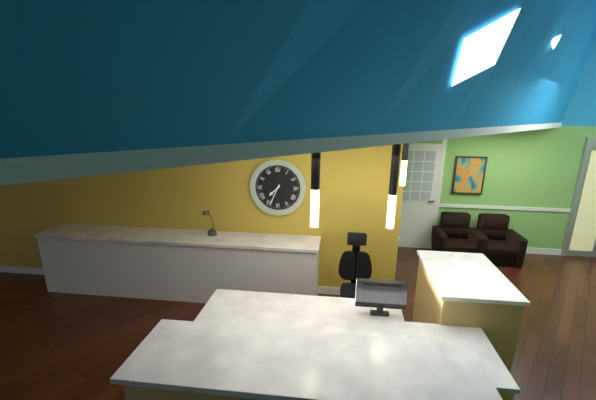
7:34
